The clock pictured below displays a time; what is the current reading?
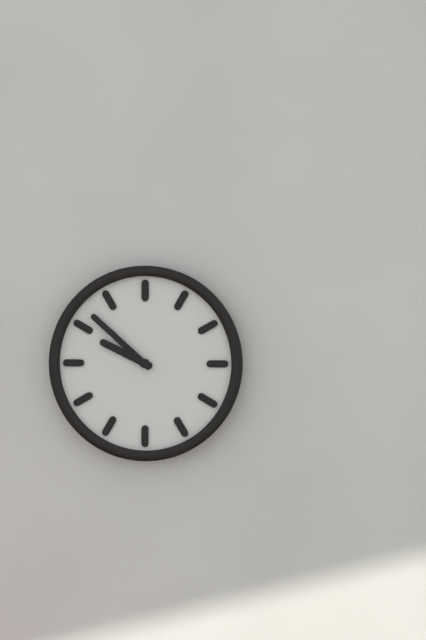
9:52
